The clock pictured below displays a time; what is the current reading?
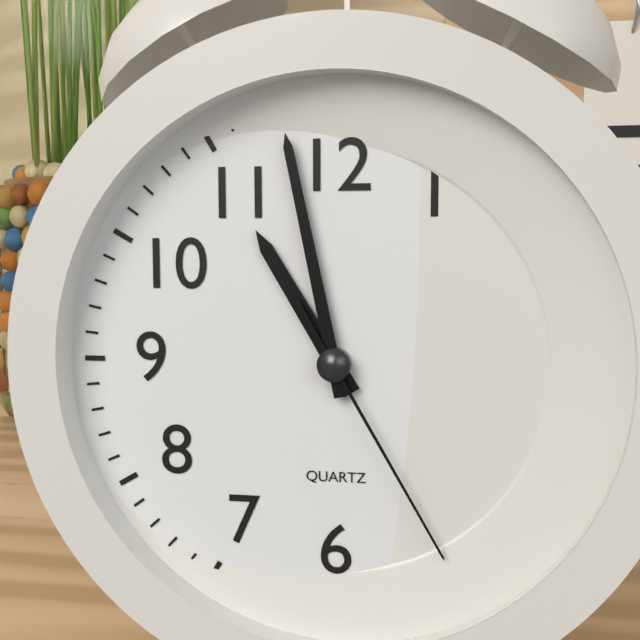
10:58:25
